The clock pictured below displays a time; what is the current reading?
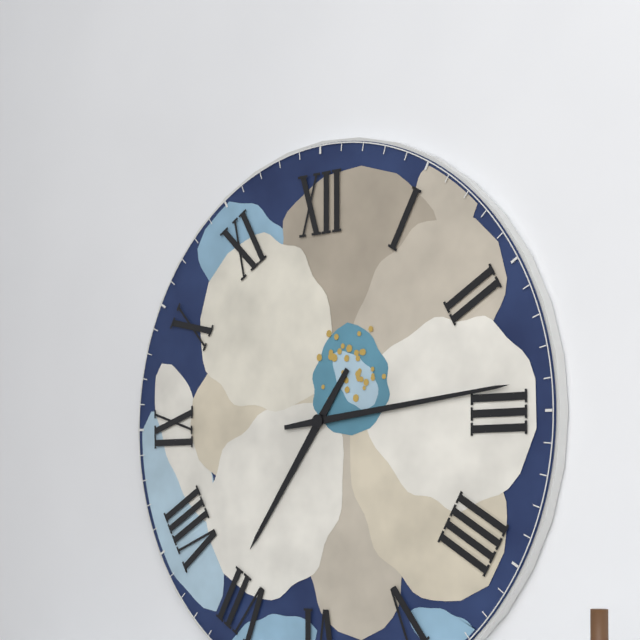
7:14
